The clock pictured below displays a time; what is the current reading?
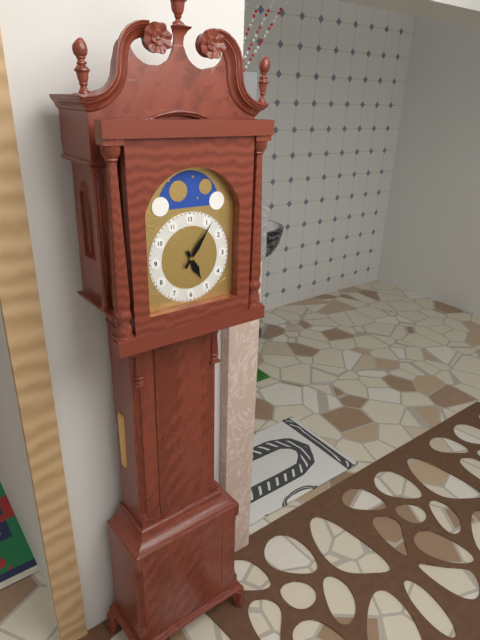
5:06
